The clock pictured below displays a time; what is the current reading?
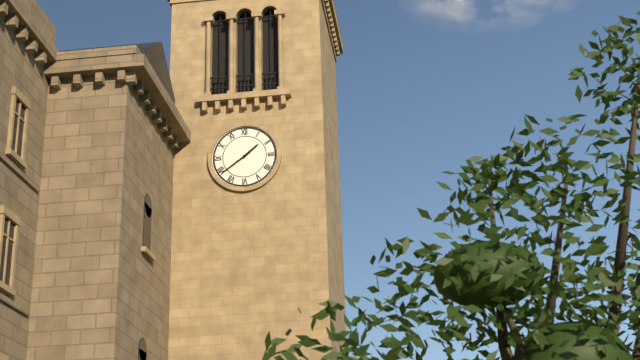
1:39
